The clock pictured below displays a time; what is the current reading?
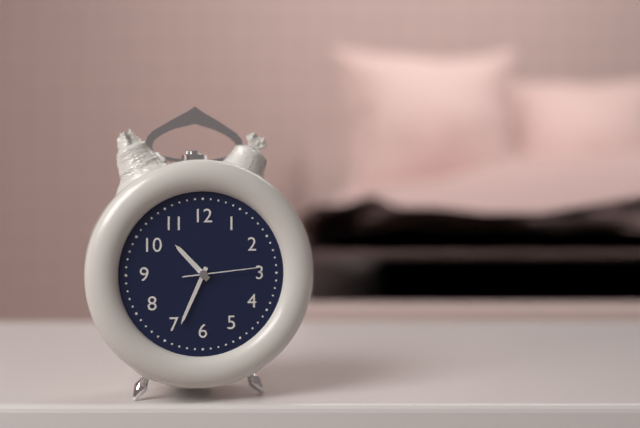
10:34:14
